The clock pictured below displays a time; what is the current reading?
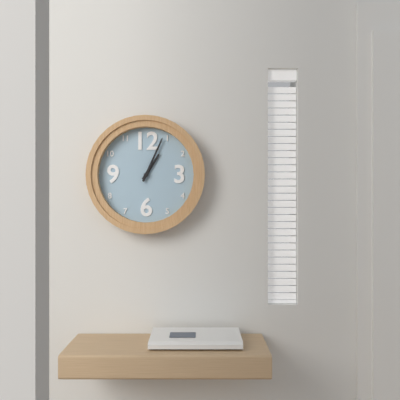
1:04
